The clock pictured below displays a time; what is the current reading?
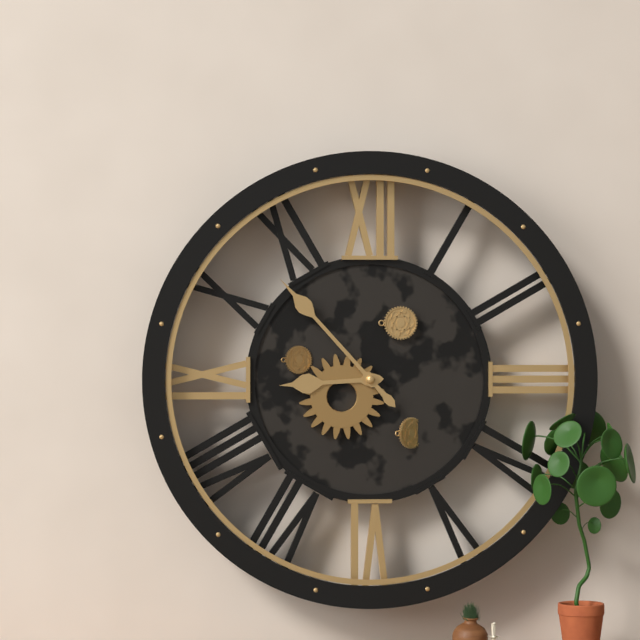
8:53
